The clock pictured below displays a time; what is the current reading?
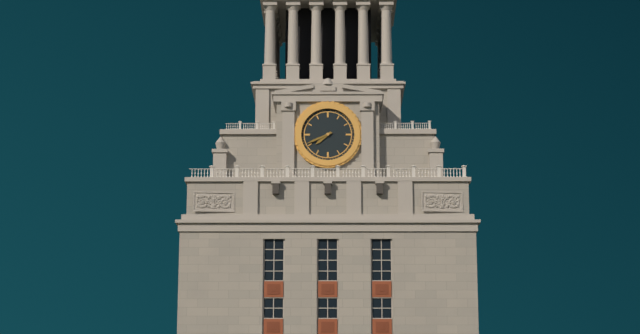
7:41
